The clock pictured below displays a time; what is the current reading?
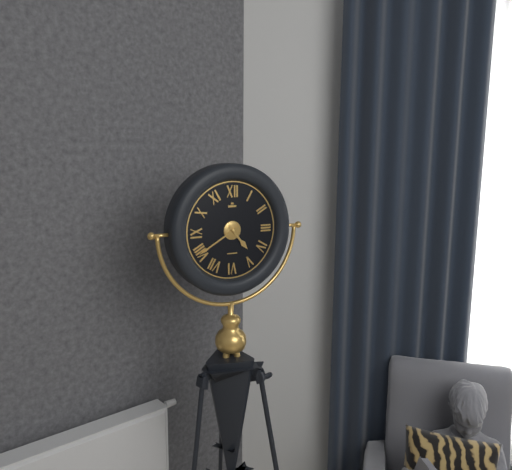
4:40
